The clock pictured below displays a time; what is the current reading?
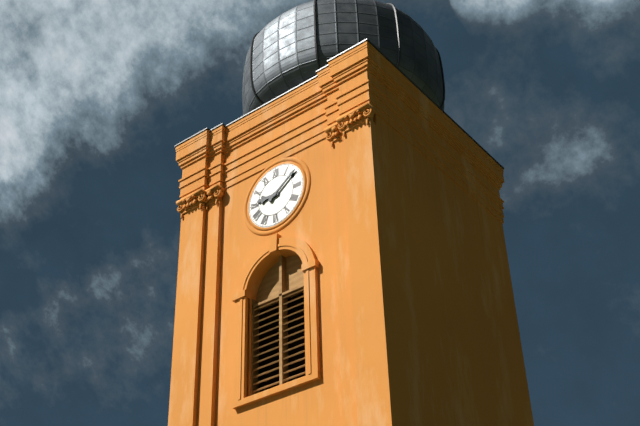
9:09
